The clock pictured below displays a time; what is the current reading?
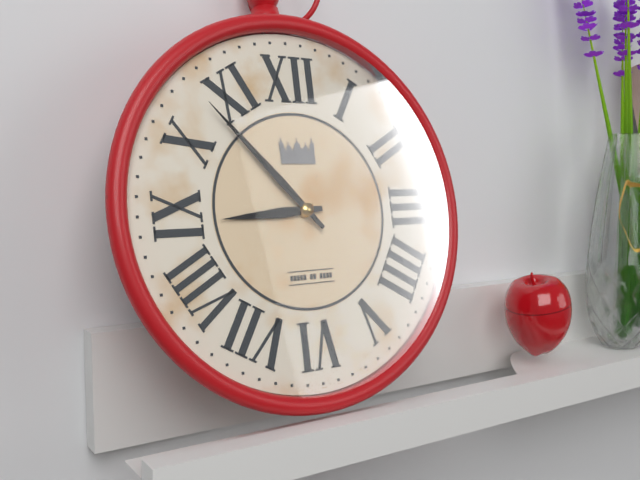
8:53
